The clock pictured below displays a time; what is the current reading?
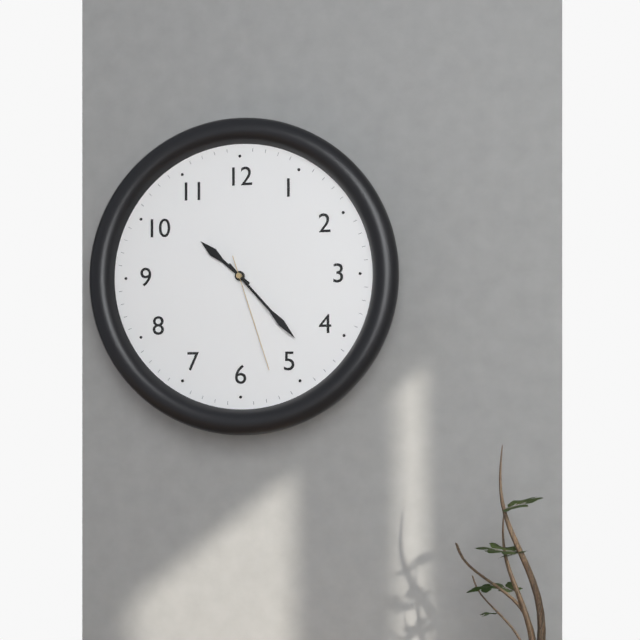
10:23:27
